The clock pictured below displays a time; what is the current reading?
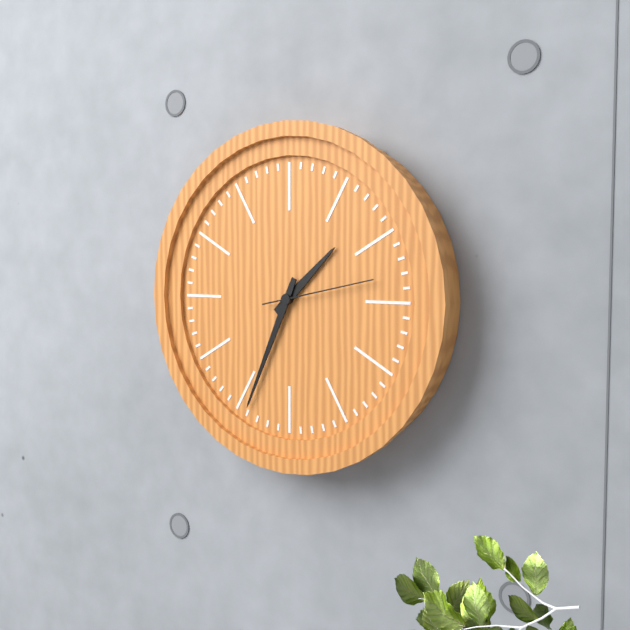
1:34:13
